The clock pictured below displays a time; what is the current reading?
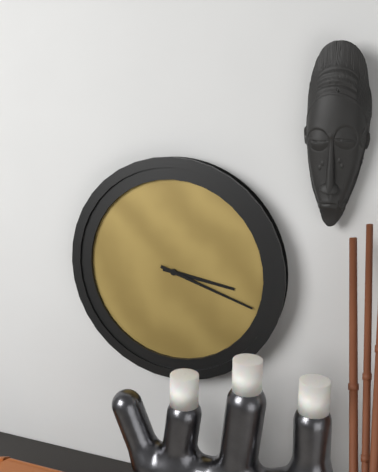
3:18
